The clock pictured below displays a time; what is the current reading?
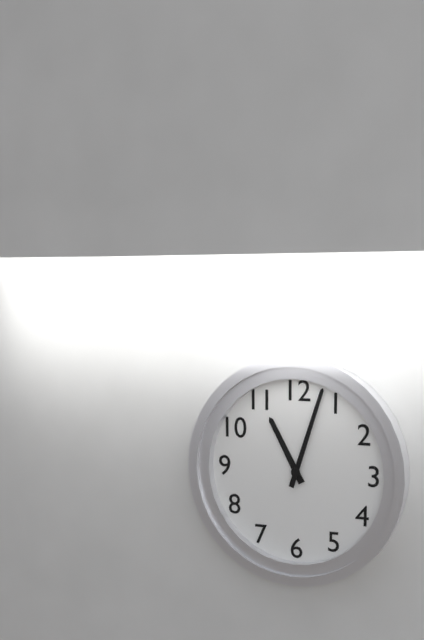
11:03
